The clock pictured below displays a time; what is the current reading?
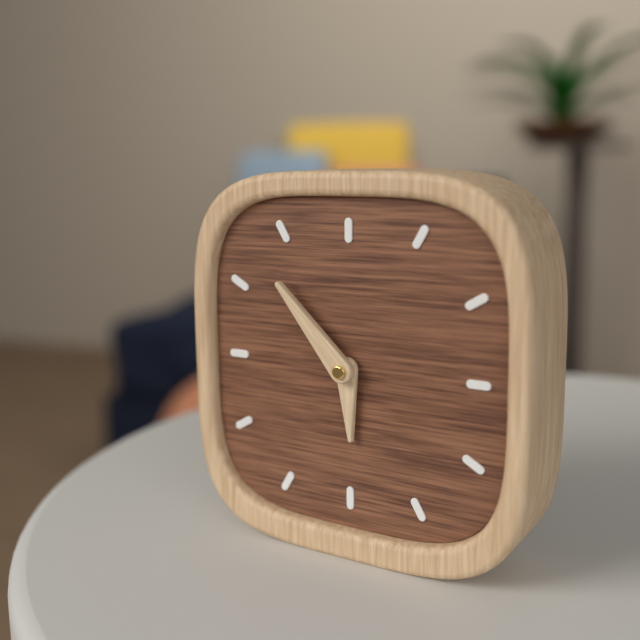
5:53
